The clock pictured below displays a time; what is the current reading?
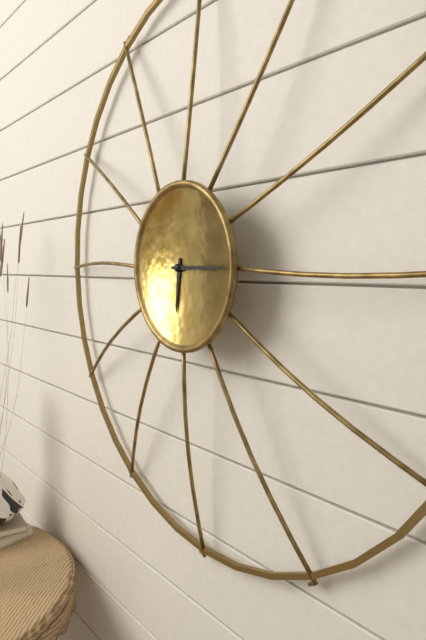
6:15
